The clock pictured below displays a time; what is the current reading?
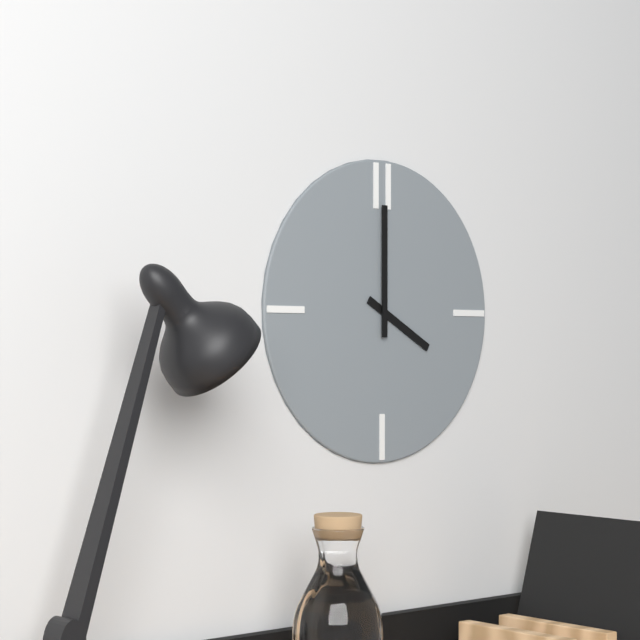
4:00
